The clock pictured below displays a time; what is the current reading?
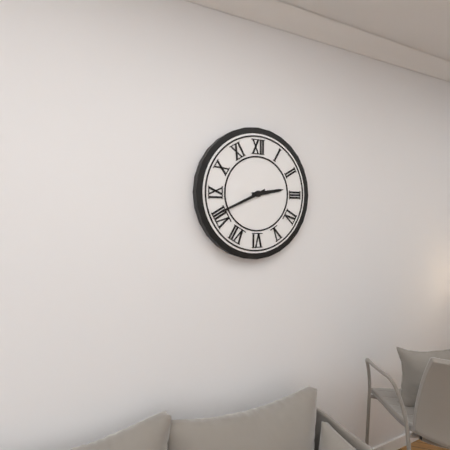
2:41
